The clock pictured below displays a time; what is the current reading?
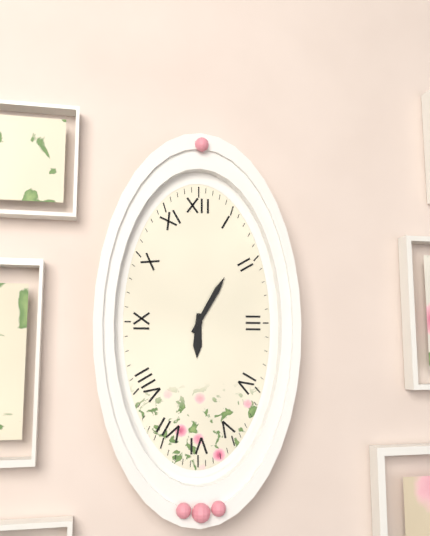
6:05
